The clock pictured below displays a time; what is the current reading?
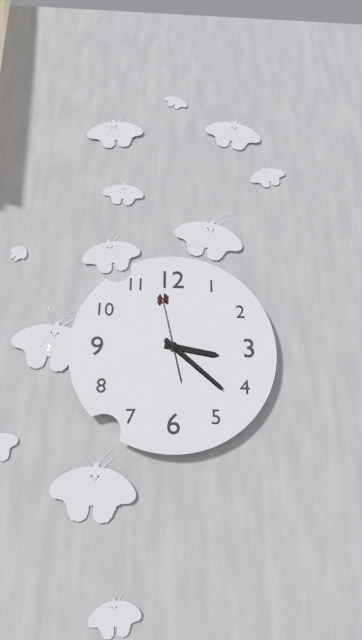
3:22:58
